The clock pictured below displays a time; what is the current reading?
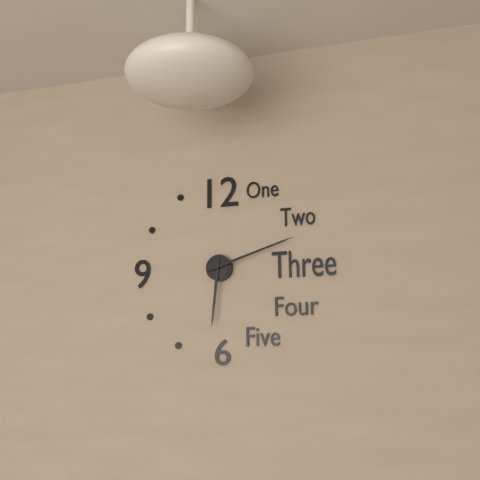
6:12
